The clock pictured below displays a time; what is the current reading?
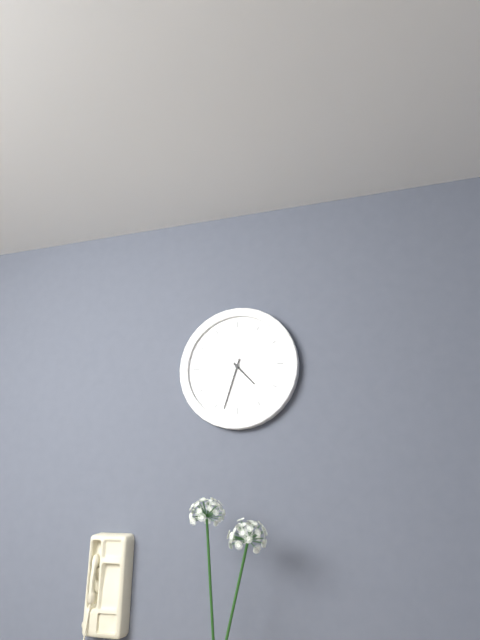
4:33
